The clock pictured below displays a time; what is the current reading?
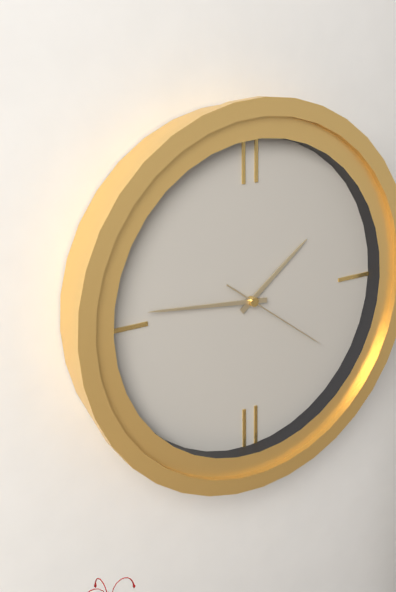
1:46:21
